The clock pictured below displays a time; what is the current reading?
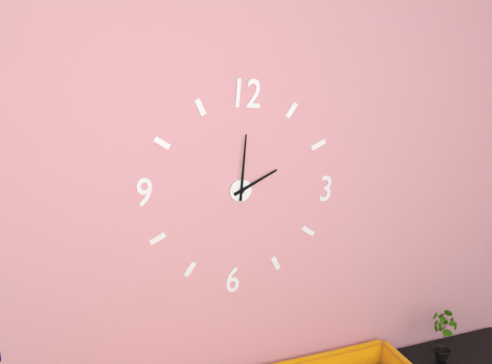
2:00
